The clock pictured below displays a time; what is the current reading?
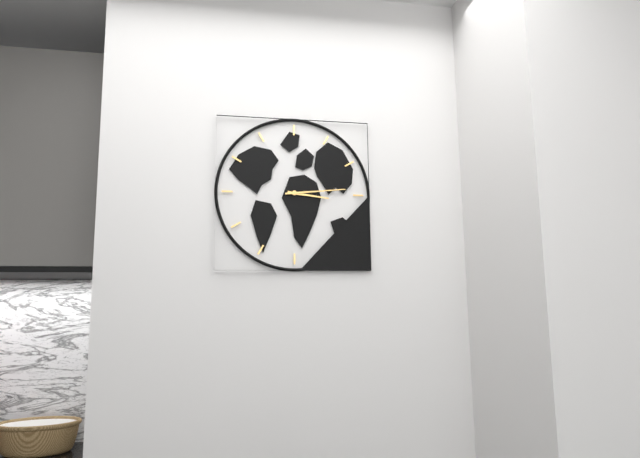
3:14
